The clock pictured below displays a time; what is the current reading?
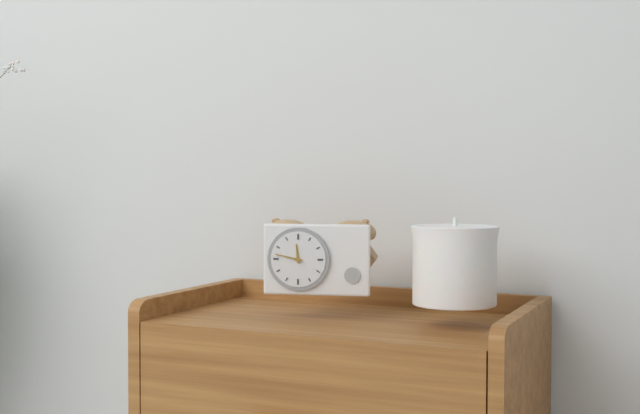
11:47
